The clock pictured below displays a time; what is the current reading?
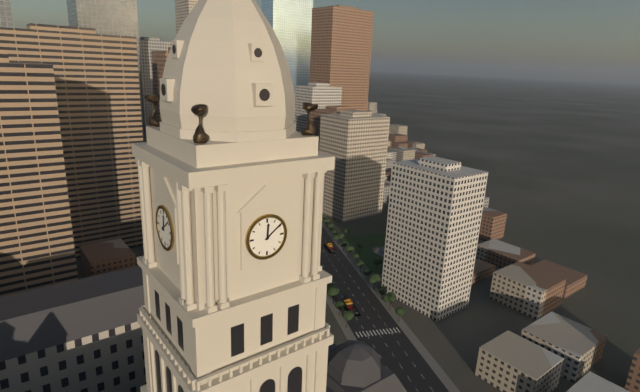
12:09
